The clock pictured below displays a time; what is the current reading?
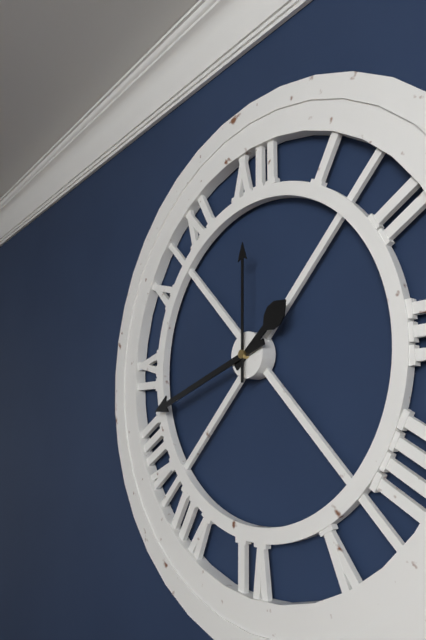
1:42:00
